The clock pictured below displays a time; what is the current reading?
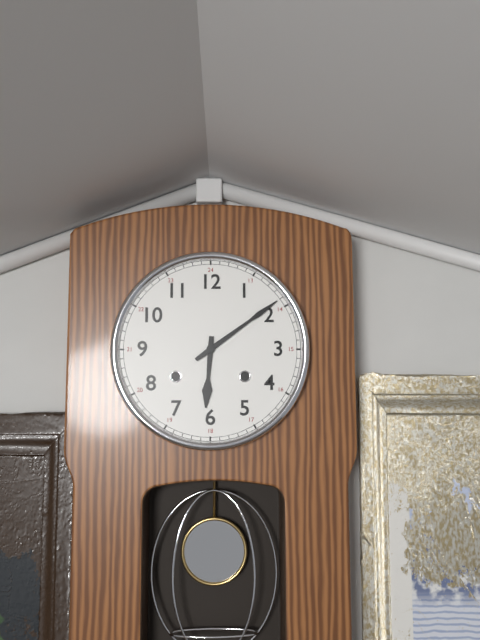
6:09
